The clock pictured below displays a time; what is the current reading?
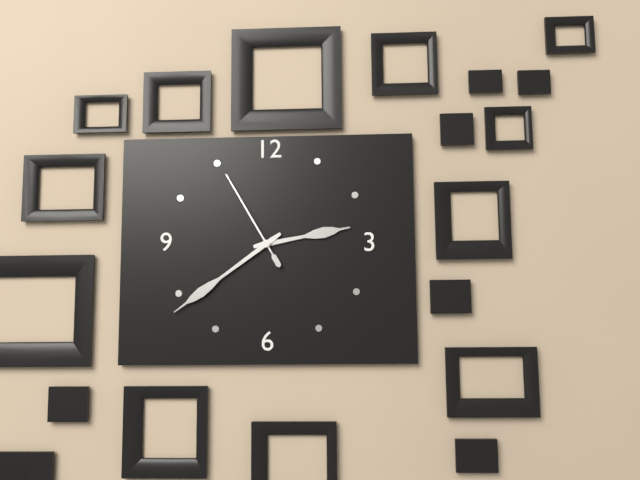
2:39:55
